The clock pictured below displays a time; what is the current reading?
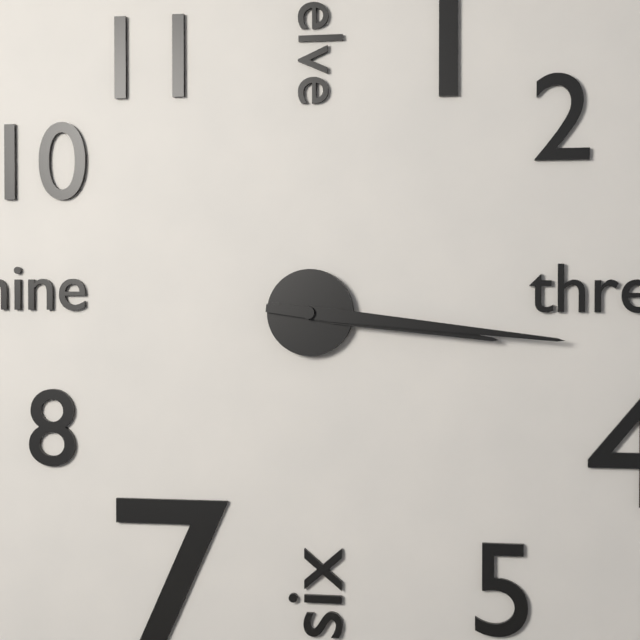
3:16
